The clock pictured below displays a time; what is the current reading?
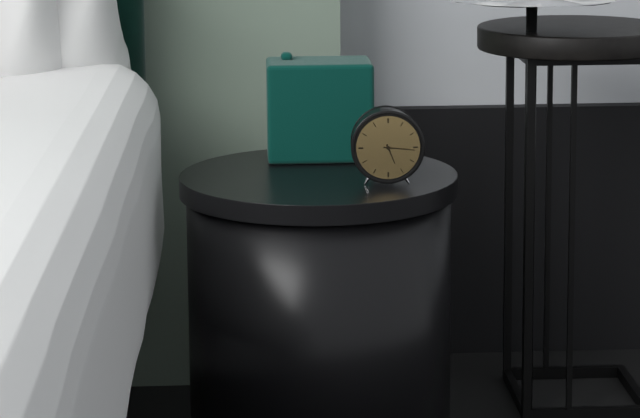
5:16
